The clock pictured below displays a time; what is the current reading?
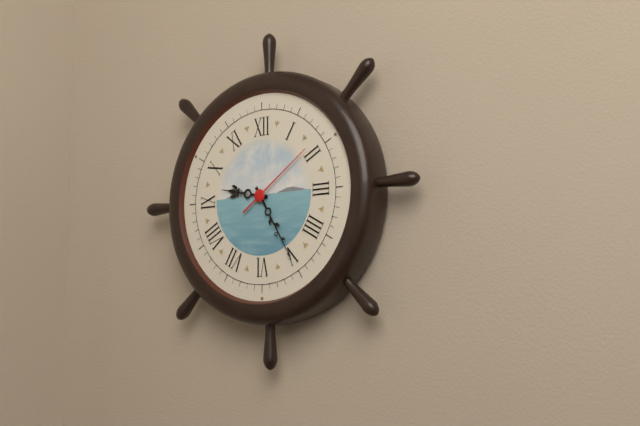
9:25:09
